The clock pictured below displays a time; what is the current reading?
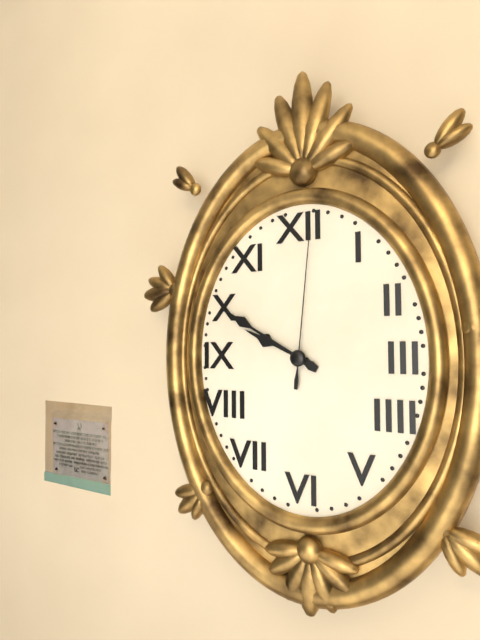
9:50:01
